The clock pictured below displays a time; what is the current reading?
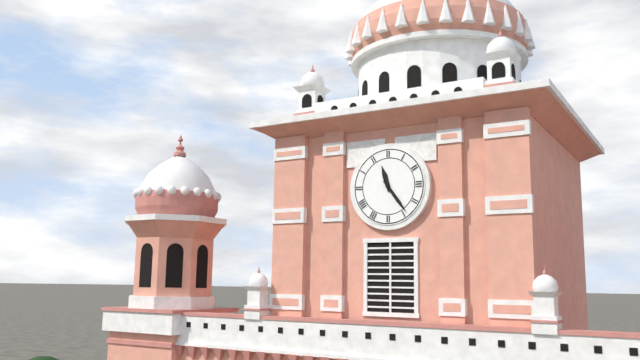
11:24
